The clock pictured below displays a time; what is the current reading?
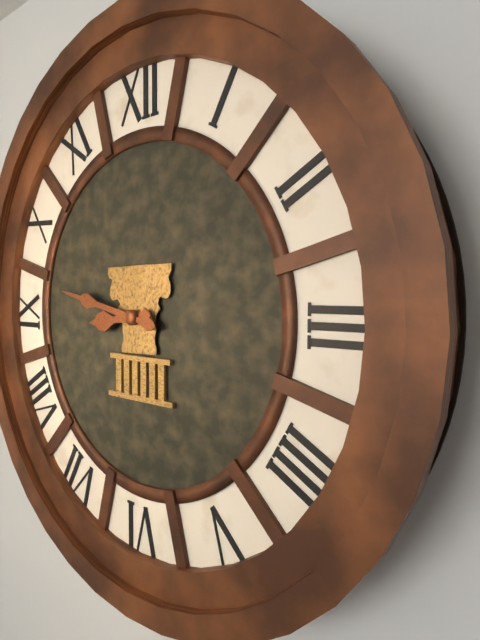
8:47
